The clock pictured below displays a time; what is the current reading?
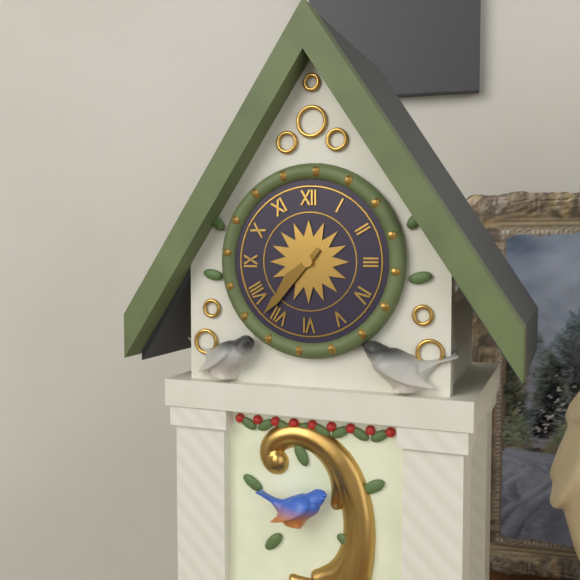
7:37
